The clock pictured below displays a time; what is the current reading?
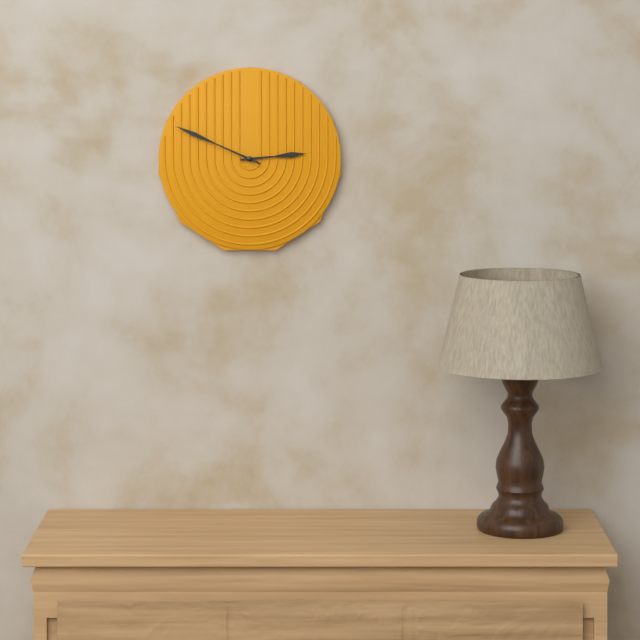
2:49
